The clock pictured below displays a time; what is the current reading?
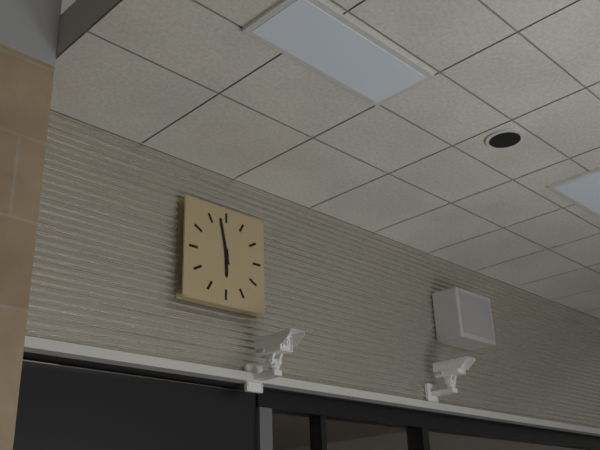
5:58
